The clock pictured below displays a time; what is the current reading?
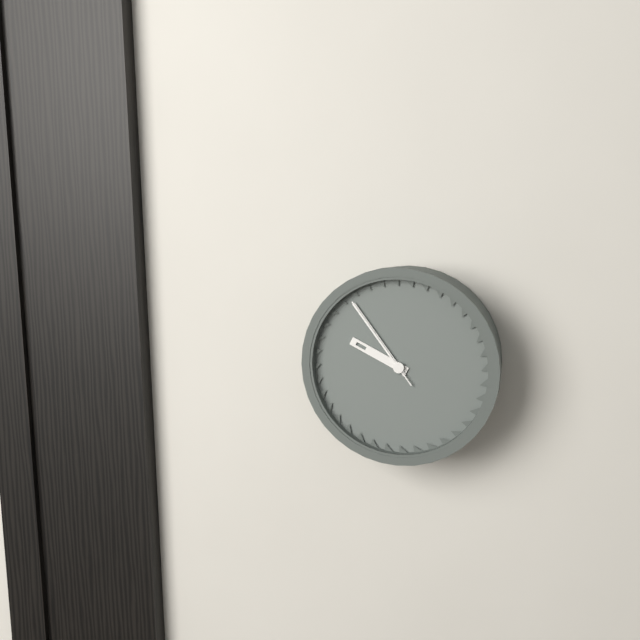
9:54:54
